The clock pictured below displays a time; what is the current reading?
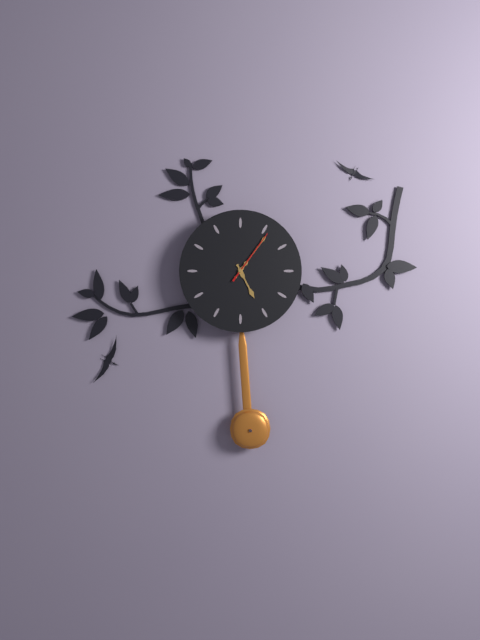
5:06:06
